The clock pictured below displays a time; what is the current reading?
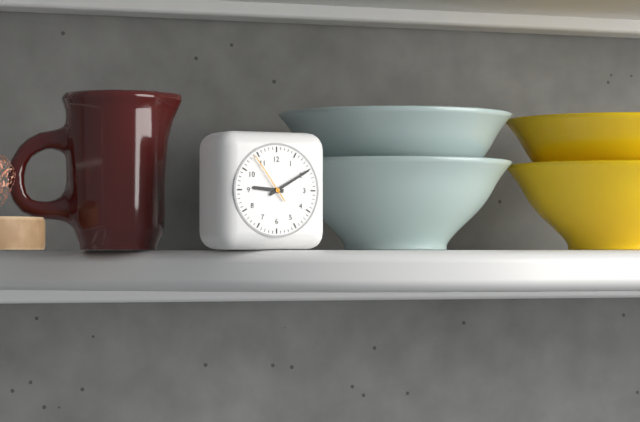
9:10:54
